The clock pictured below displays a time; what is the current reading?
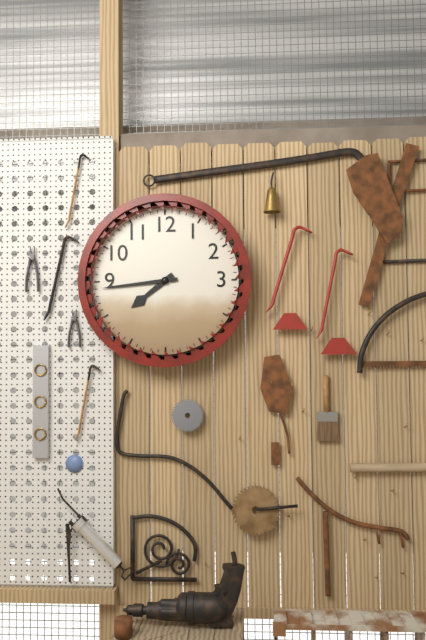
7:44
